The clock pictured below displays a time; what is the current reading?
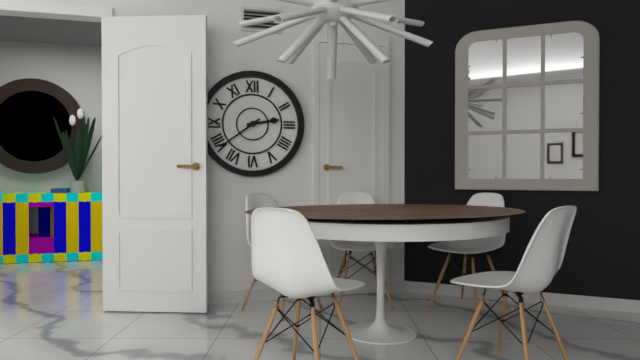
2:39
